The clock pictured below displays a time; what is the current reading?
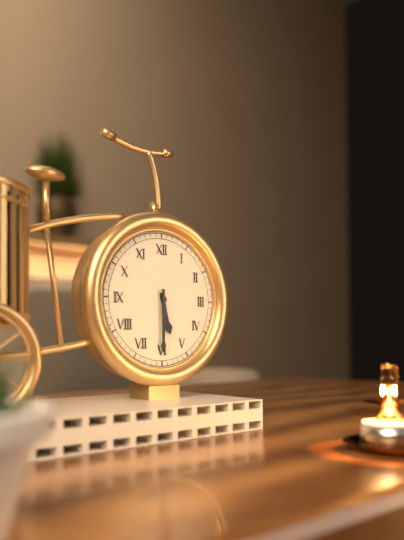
5:30
